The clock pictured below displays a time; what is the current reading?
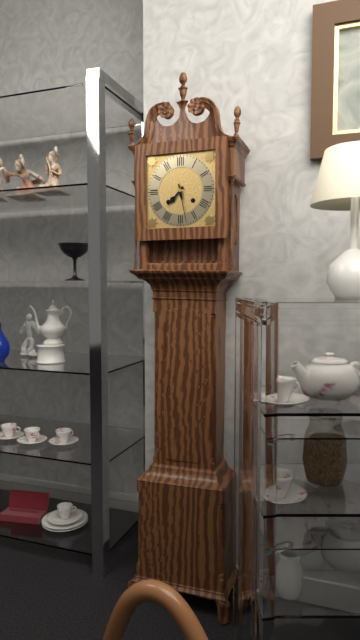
7:28
